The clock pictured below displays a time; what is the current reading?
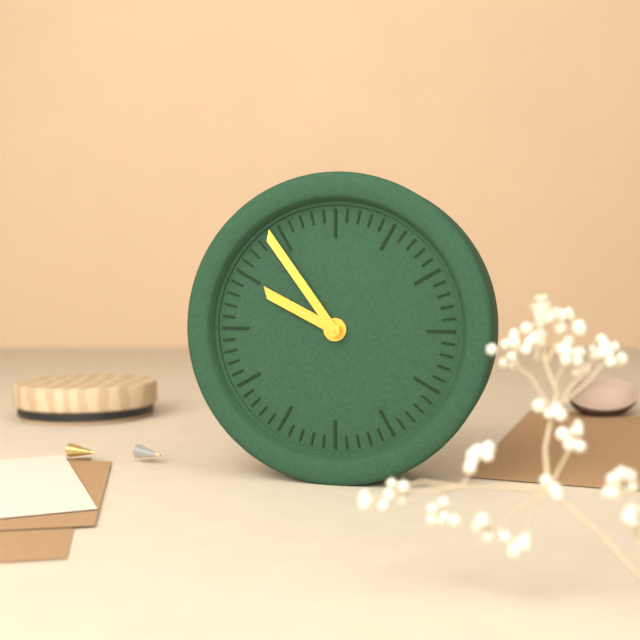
9:54
